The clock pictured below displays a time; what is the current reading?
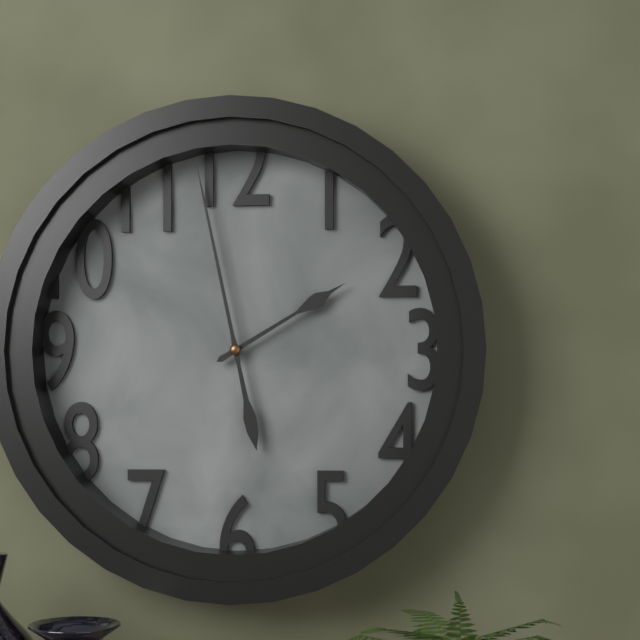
1:58
